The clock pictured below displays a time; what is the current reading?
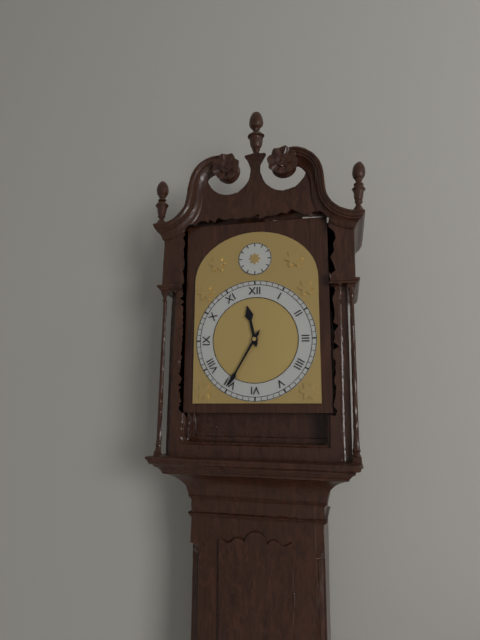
11:35
